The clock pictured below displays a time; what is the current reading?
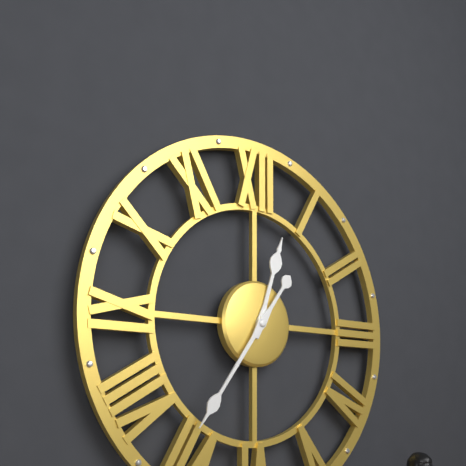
12:36
